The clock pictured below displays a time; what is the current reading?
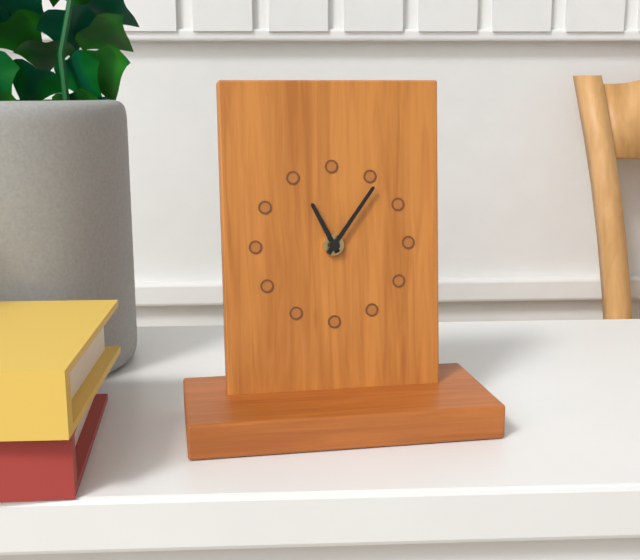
11:06
